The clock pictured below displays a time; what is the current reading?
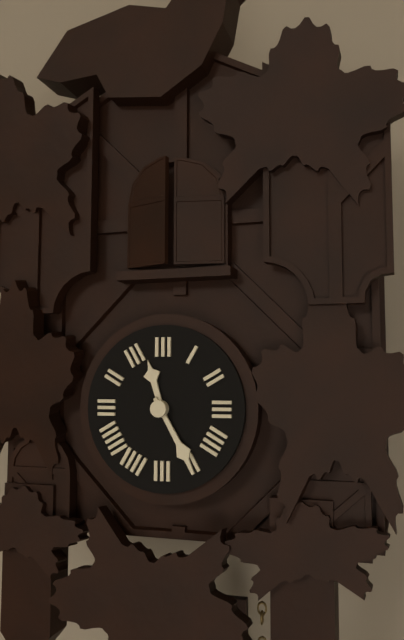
11:25
